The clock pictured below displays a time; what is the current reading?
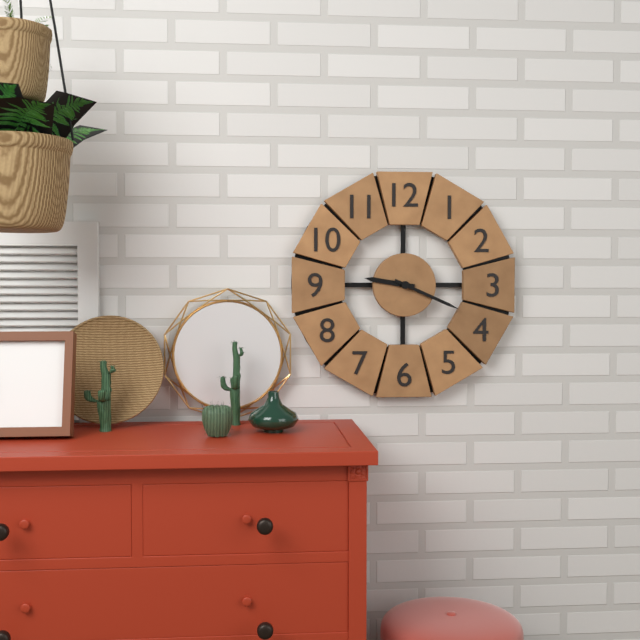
9:19
